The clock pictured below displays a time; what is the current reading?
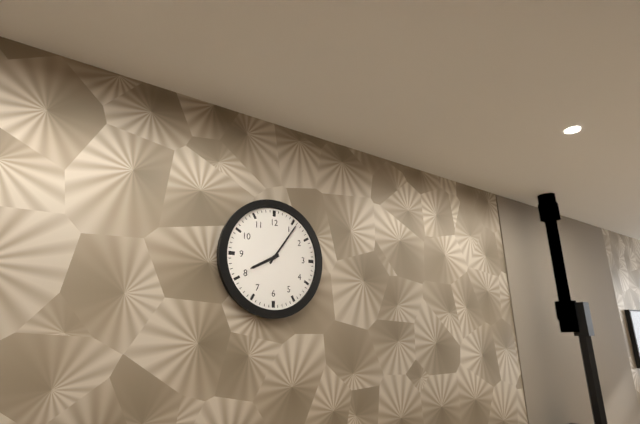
8:06
